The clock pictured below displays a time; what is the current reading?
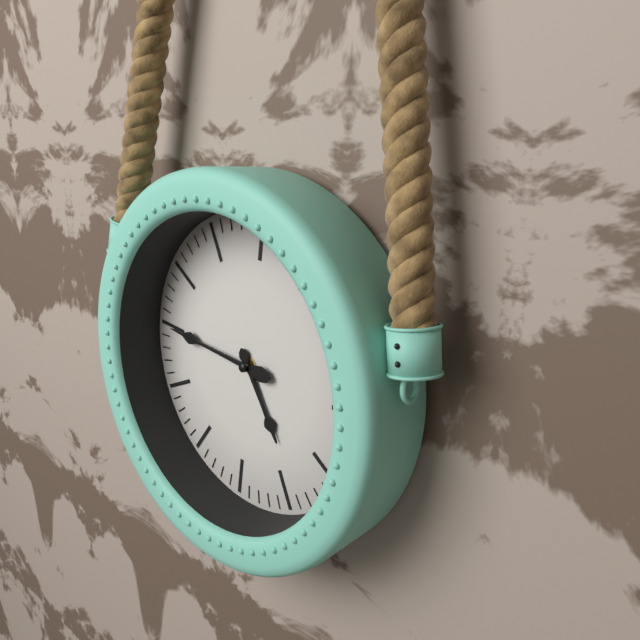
4:45
